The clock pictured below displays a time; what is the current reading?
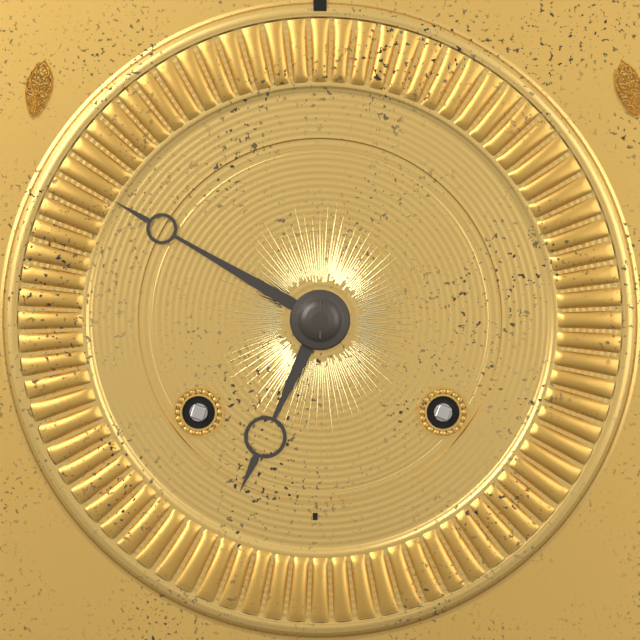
6:50
